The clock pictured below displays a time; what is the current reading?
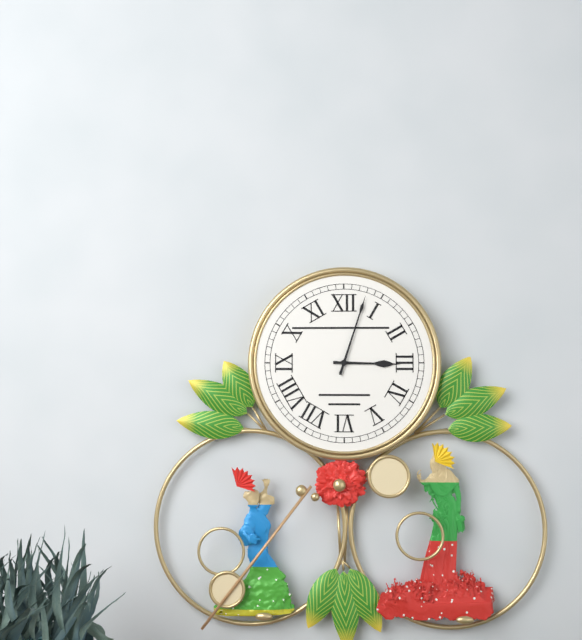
3:03
